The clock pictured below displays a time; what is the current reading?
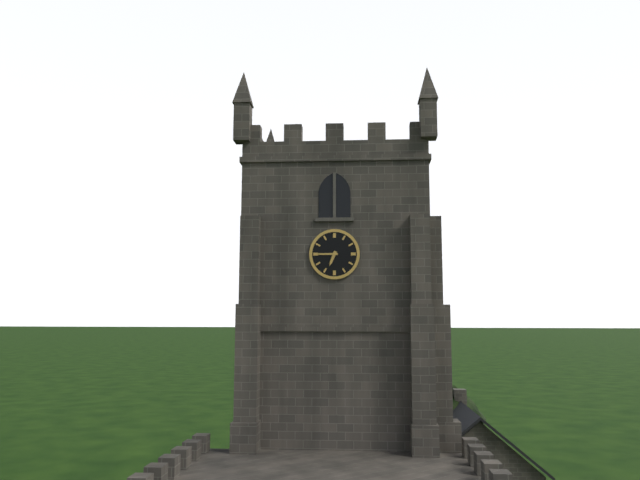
6:45
